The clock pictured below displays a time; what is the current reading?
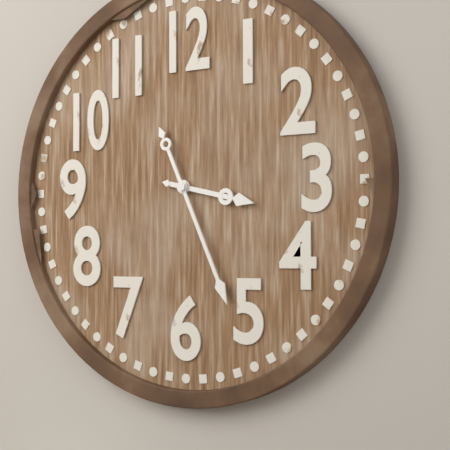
3:26
